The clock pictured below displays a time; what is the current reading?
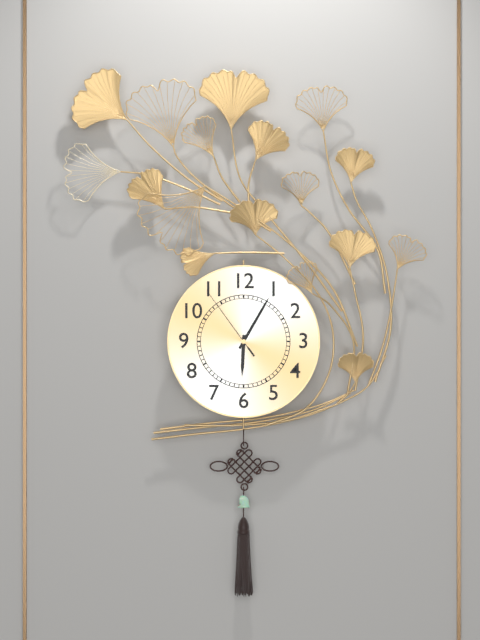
6:05:54
